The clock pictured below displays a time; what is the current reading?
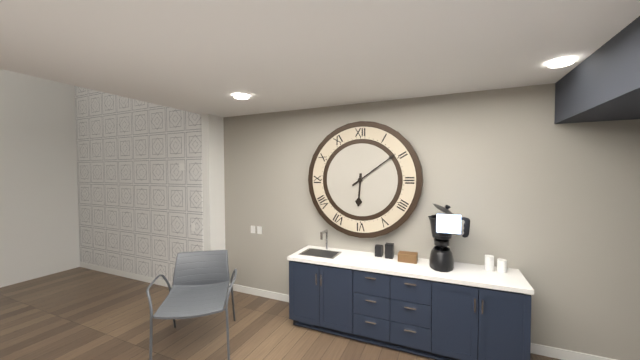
6:09
